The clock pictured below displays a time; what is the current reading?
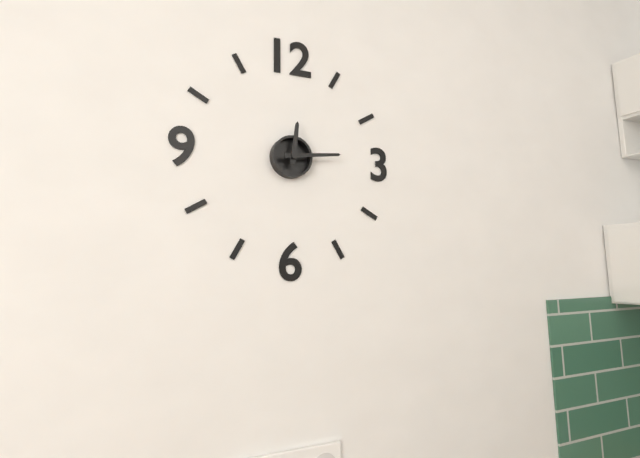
12:14
